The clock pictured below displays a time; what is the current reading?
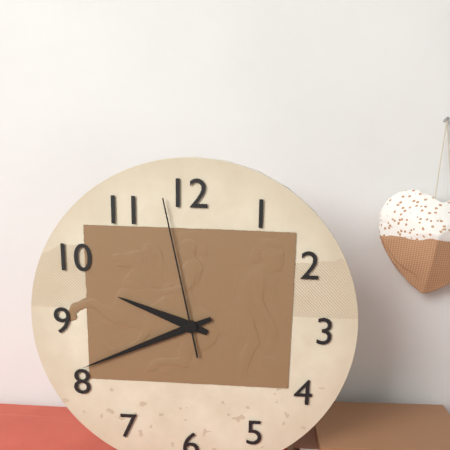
9:41:58
